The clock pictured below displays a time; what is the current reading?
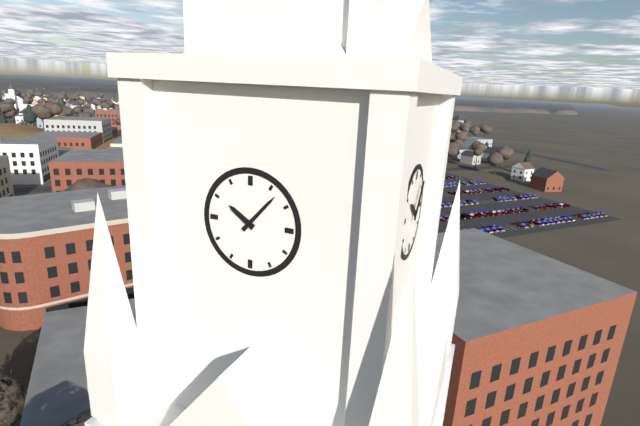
10:07
